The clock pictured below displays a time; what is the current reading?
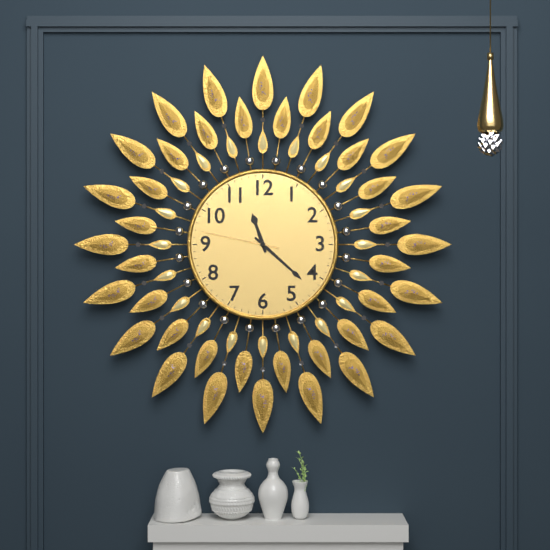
11:22:47
